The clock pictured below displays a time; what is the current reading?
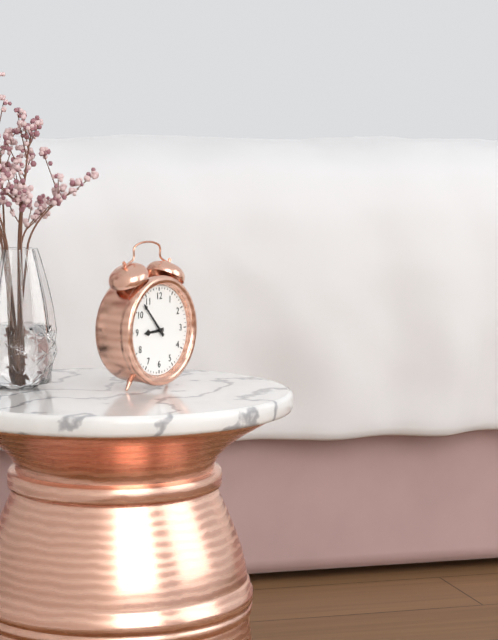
8:53
